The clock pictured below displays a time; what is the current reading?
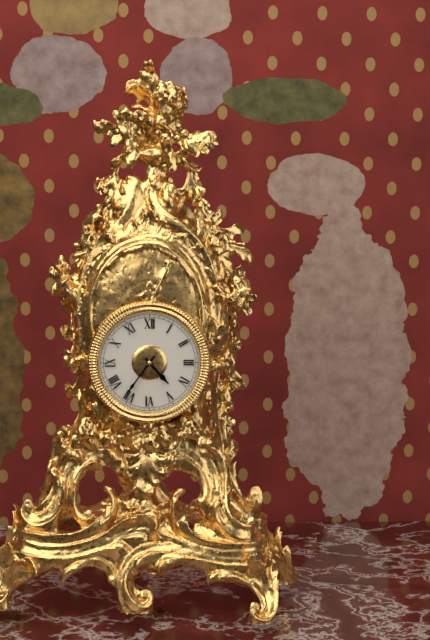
4:36
